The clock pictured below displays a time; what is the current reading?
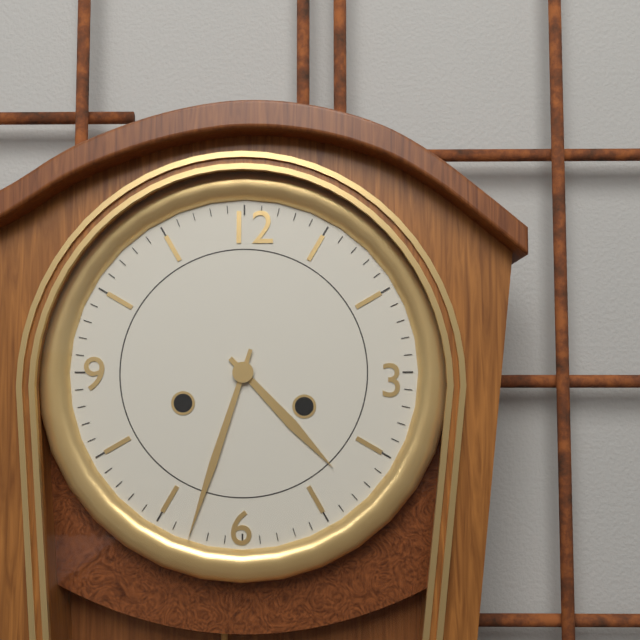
4:33
